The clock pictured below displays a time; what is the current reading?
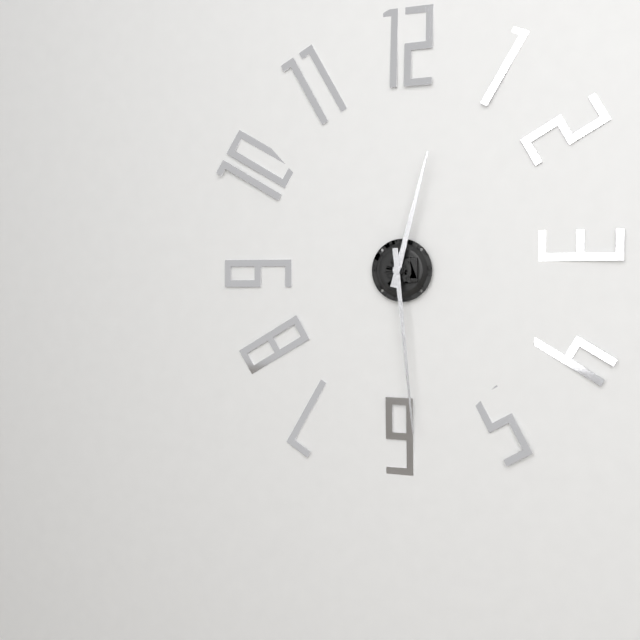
12:29
